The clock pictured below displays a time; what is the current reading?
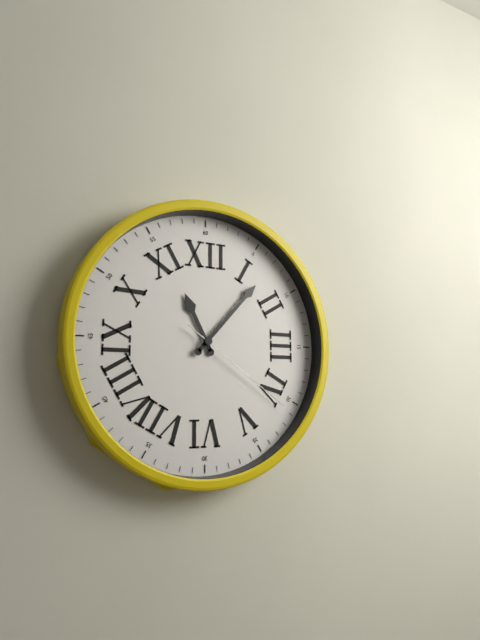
11:07:21
